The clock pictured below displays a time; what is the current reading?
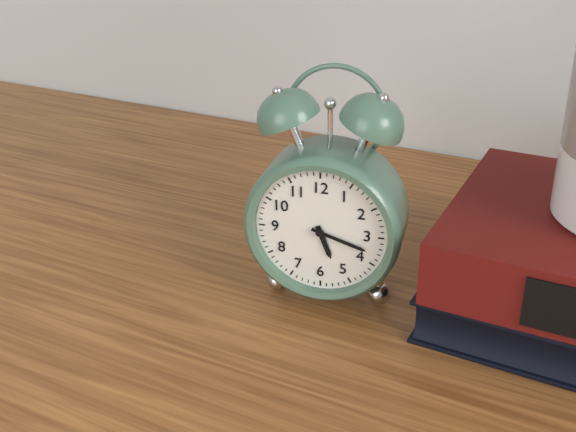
5:18
